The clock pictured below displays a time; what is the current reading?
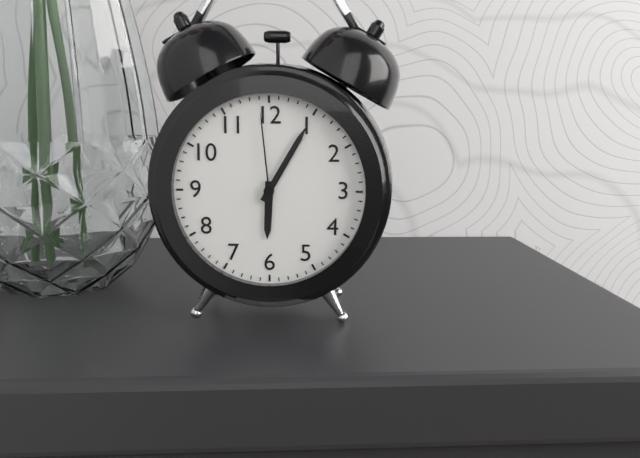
6:05:59
